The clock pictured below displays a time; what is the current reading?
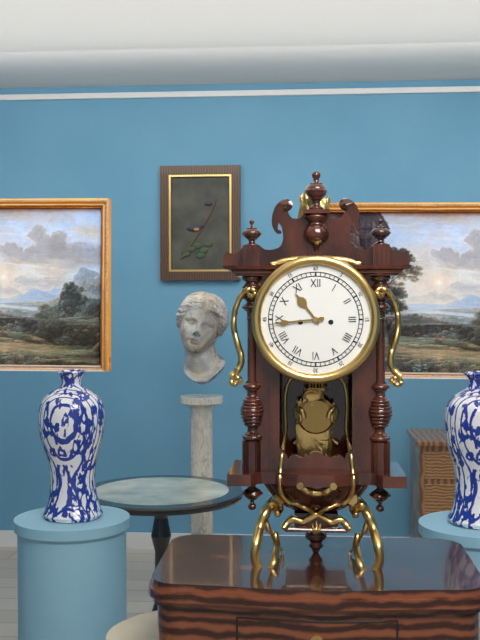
10:44
